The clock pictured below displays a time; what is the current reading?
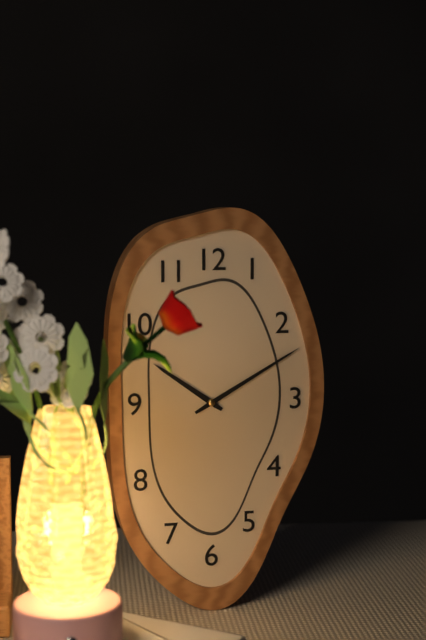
10:10
